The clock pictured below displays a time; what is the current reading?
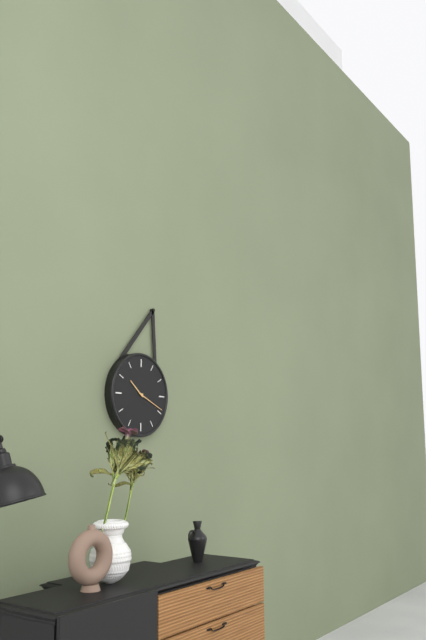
10:19
